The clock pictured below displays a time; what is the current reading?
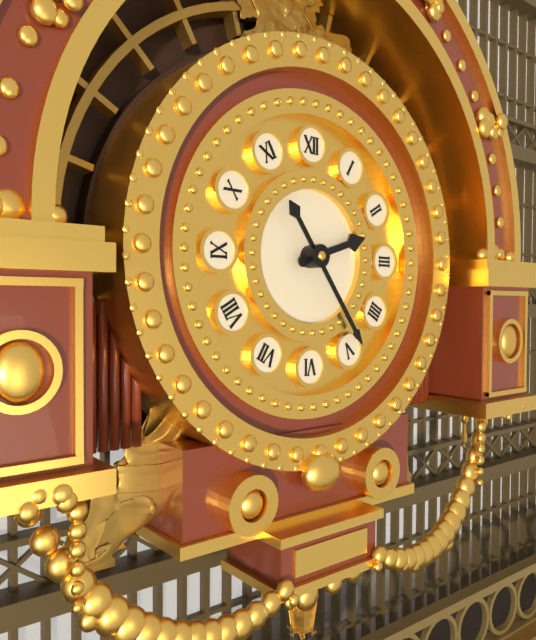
2:24
